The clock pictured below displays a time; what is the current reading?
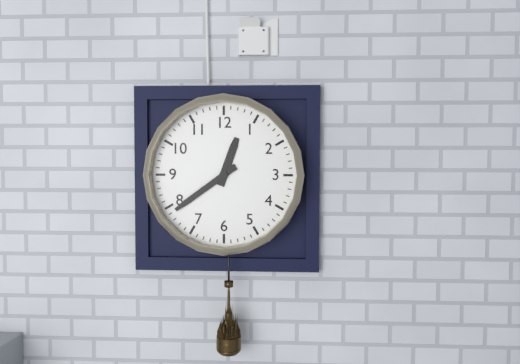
12:39
